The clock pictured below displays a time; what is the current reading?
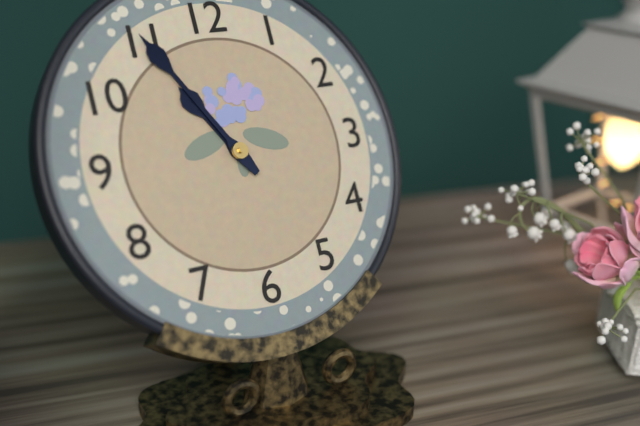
10:55
